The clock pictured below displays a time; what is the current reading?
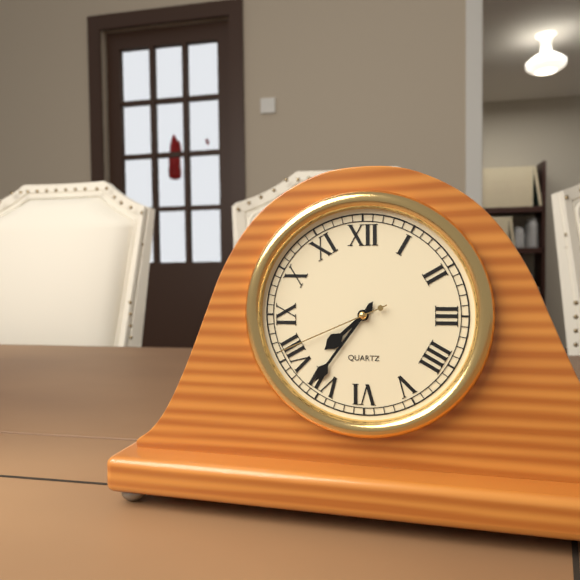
7:36:41
